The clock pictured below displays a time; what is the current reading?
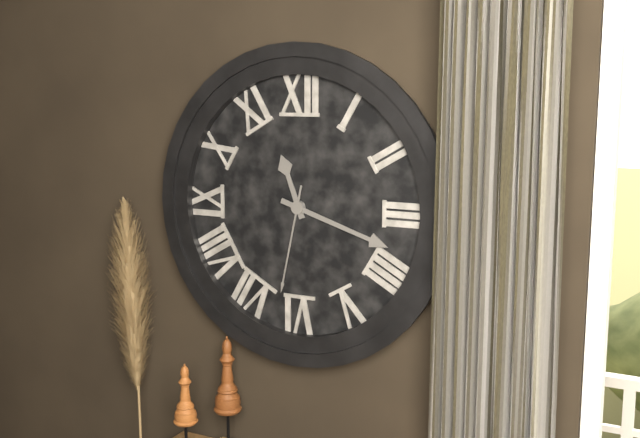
11:18:32
